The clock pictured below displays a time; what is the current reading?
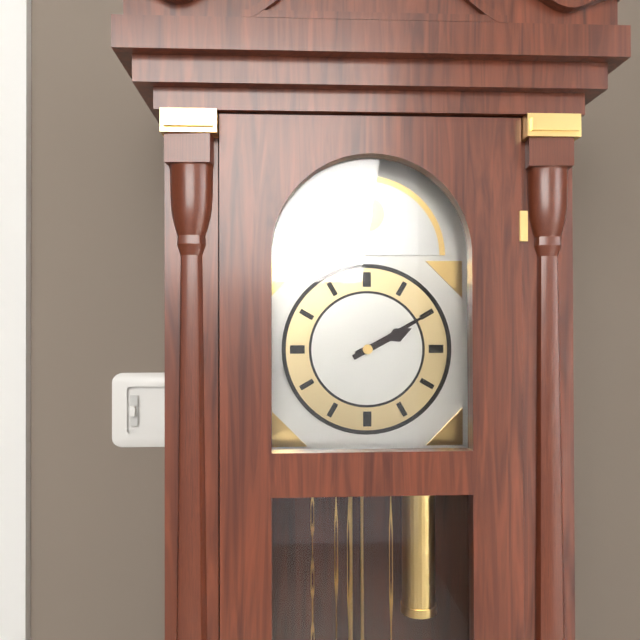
2:10
